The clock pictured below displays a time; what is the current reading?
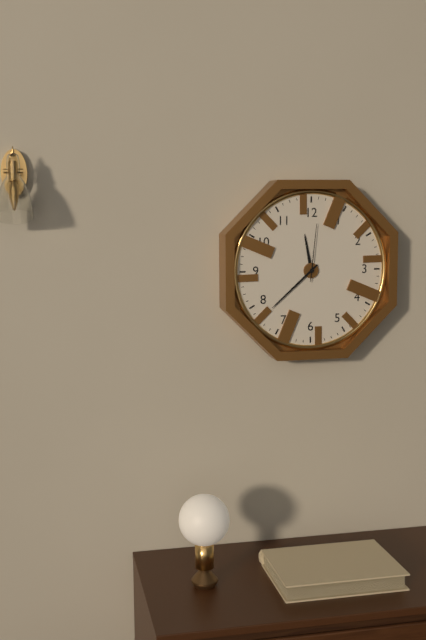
11:38:01
